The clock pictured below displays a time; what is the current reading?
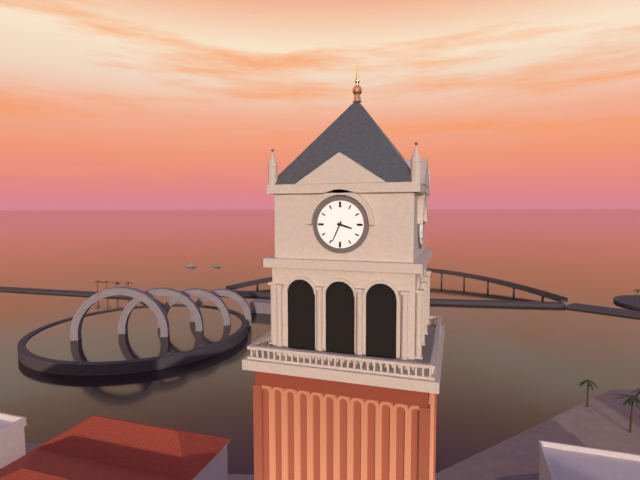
3:34
